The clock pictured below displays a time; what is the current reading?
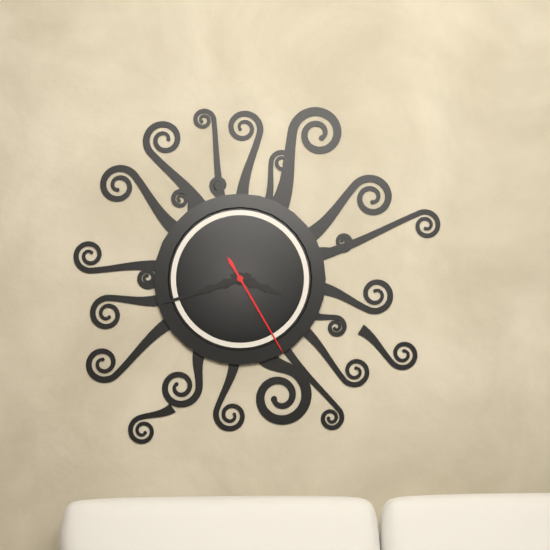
3:42:25
